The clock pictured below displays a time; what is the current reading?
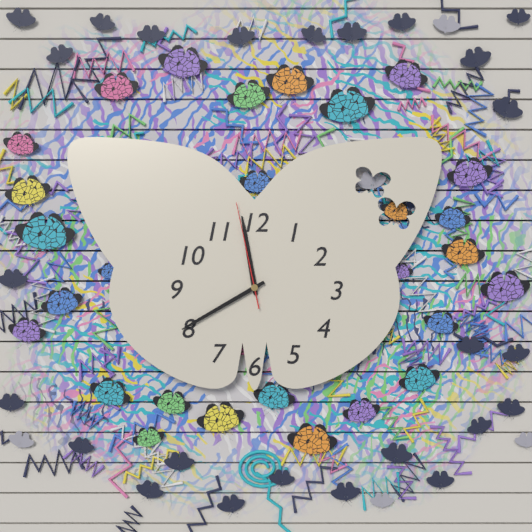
11:40:58
